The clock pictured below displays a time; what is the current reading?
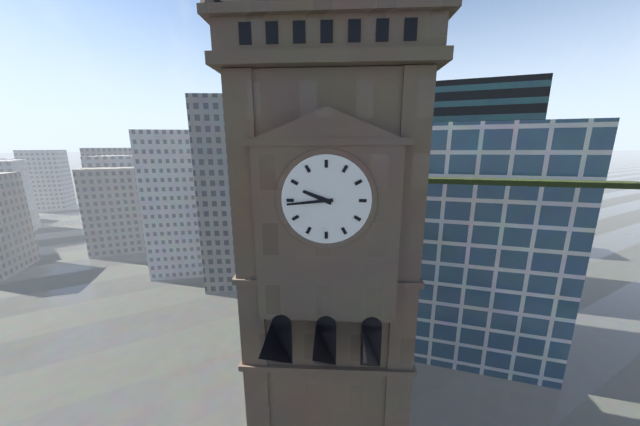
9:44
